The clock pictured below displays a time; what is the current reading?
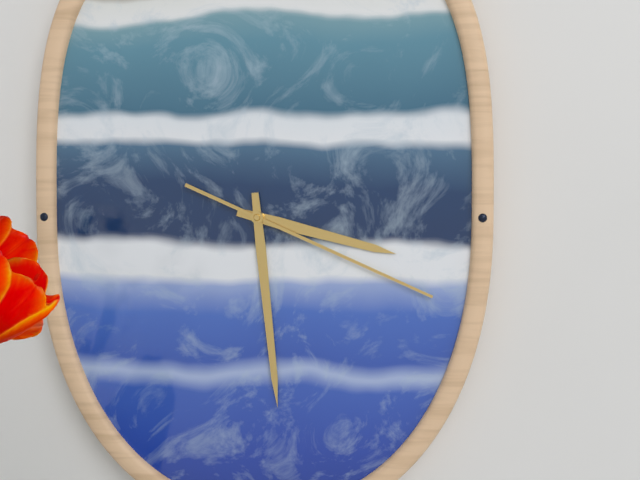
3:29:19
